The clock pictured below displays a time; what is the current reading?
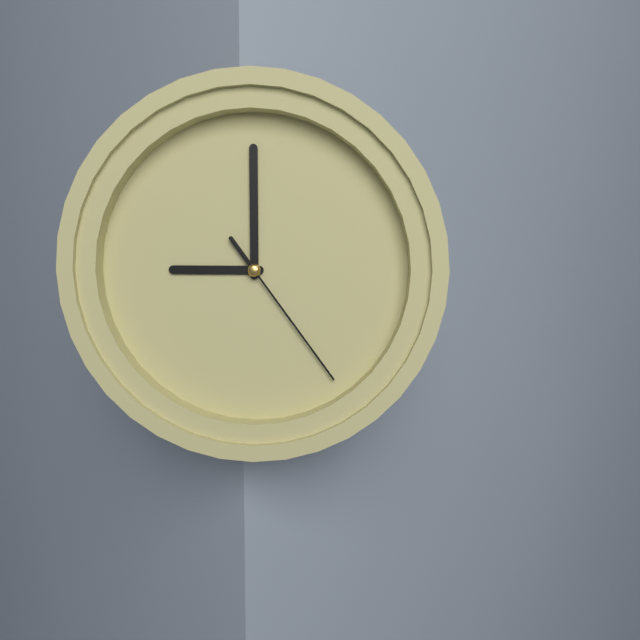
9:00:24
